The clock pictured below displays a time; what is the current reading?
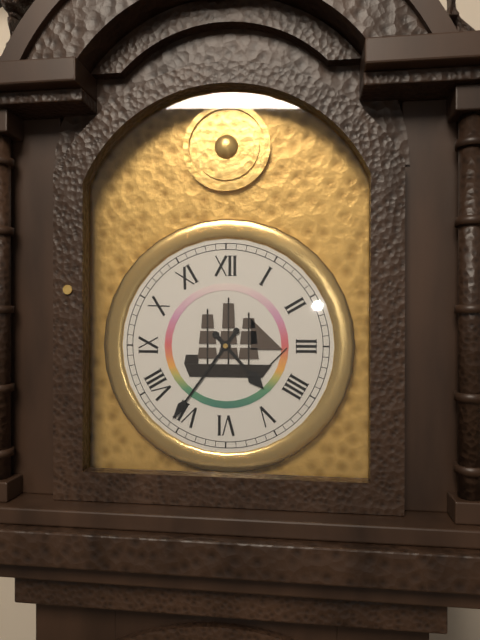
4:36
